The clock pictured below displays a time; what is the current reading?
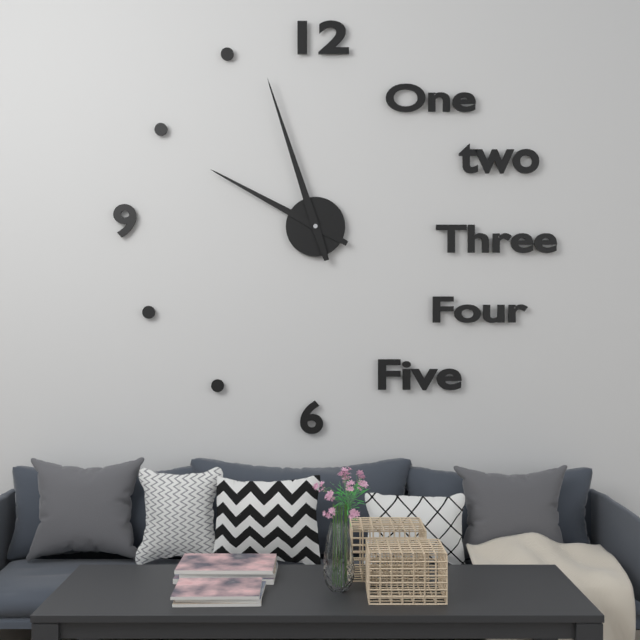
9:57
